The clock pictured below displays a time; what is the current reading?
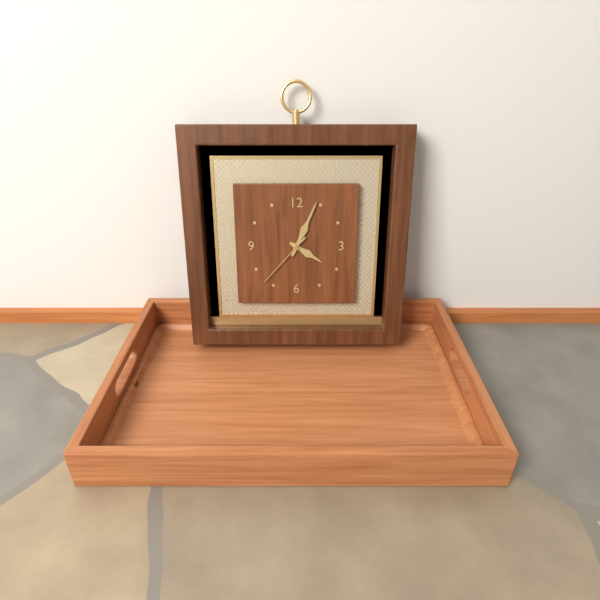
4:04:37
